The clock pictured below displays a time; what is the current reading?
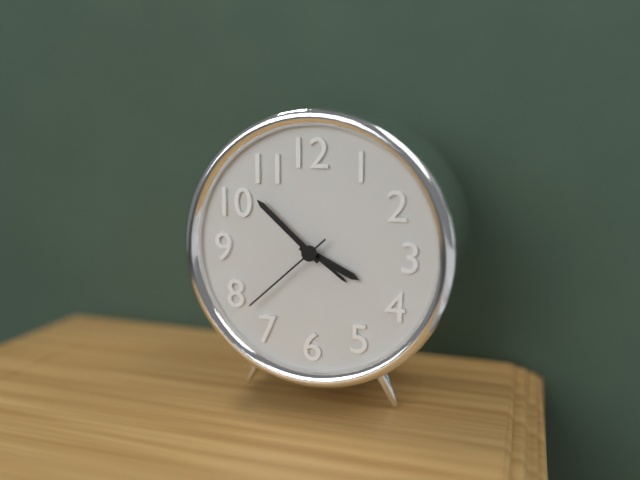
3:52:38
